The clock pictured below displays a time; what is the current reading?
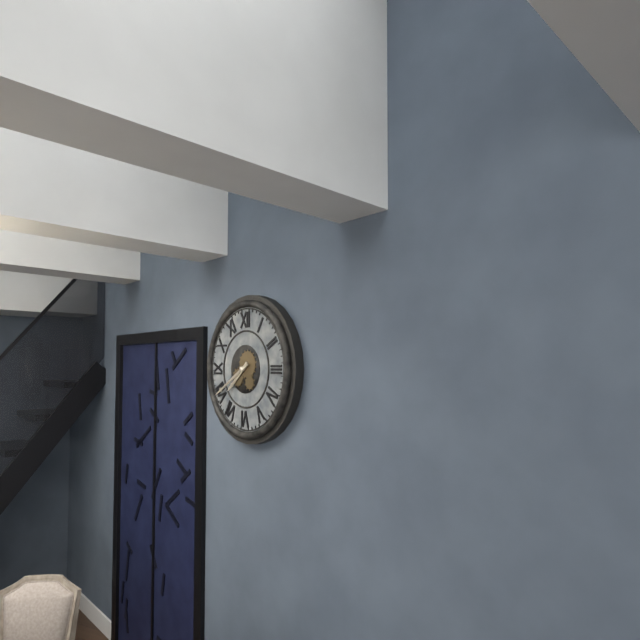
7:40
